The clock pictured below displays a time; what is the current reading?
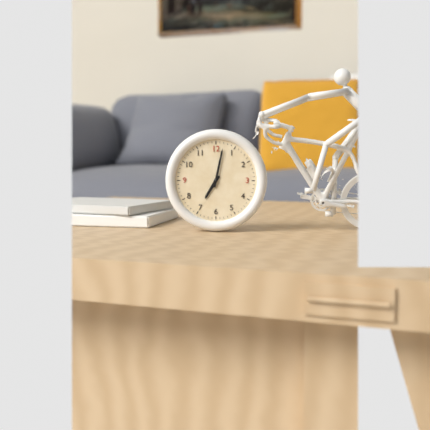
7:02
